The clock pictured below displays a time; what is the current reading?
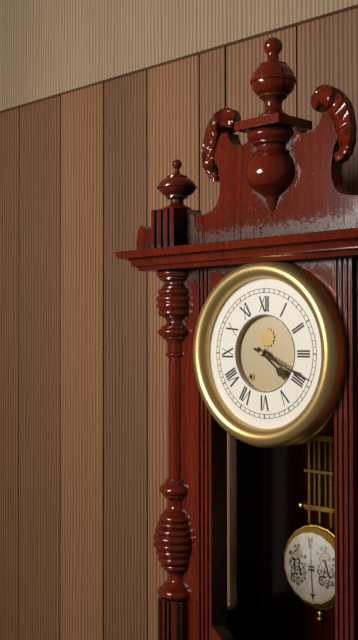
4:19
